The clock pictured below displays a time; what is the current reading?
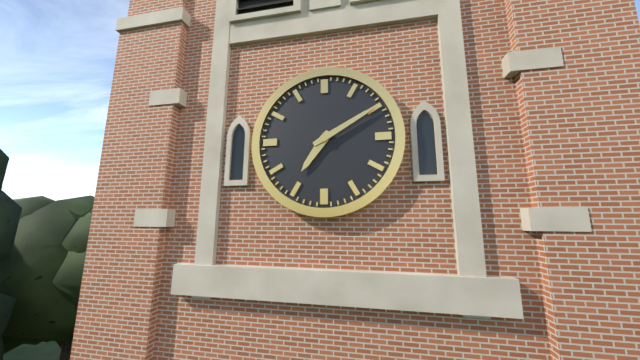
7:10
